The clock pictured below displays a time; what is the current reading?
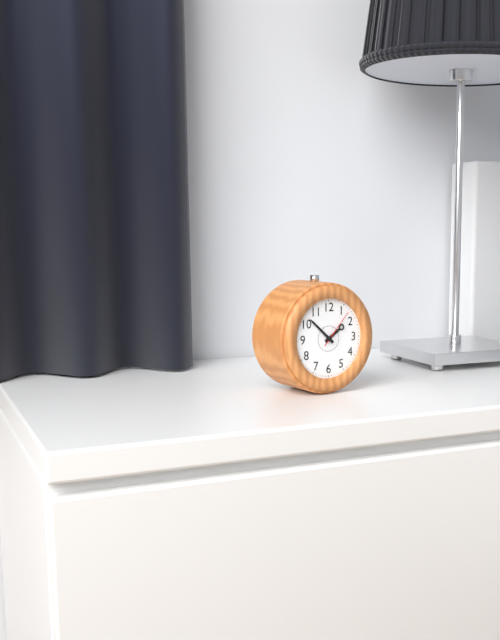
1:52:07
